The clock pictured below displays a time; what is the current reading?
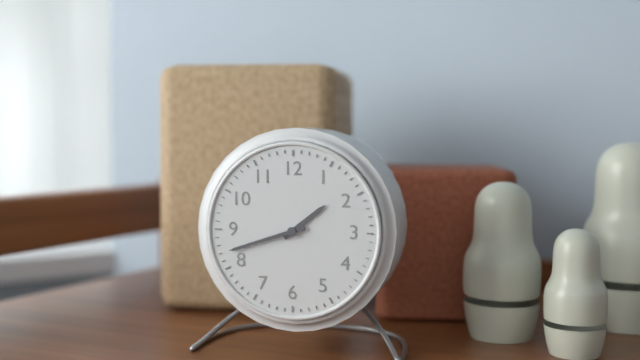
1:42
